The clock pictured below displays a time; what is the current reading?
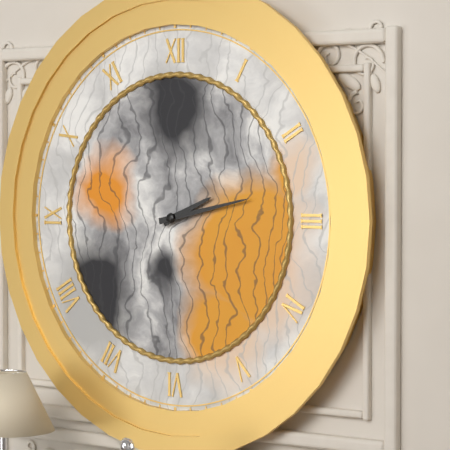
2:13
